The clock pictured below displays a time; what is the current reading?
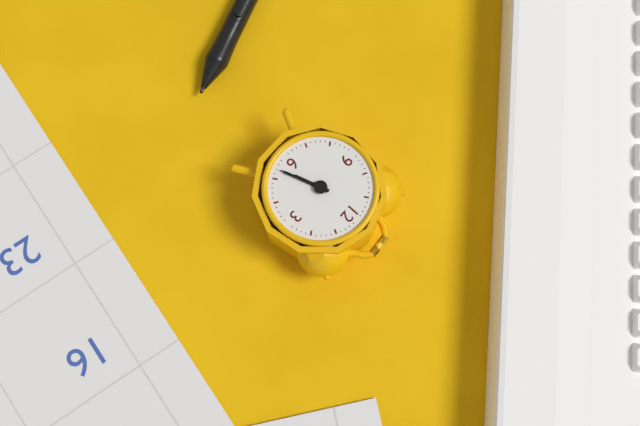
5:27
